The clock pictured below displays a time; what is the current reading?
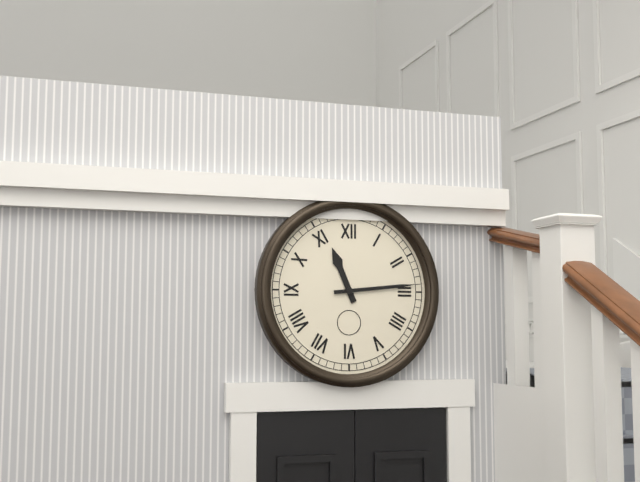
11:14
